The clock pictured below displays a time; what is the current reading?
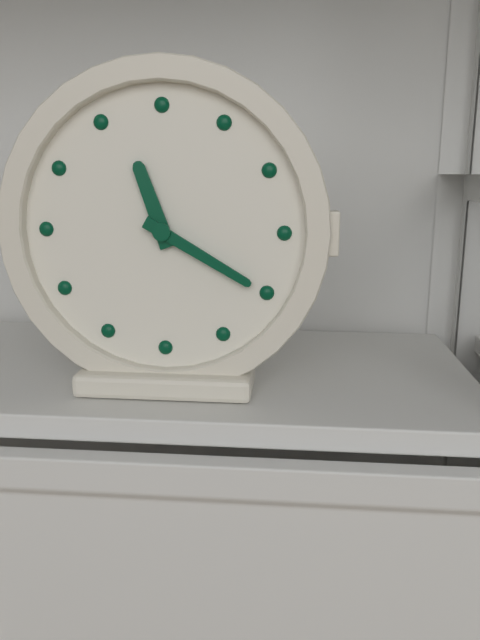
11:20
